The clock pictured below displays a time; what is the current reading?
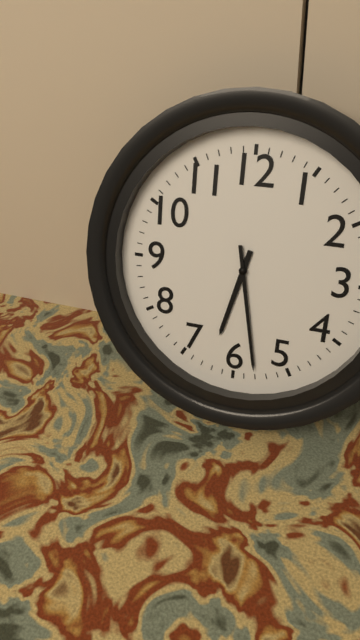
6:28
